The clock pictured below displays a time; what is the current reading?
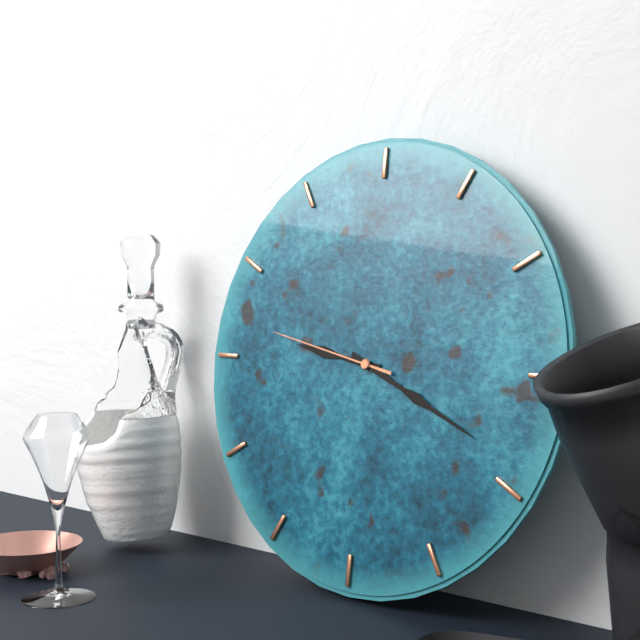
9:19:47
